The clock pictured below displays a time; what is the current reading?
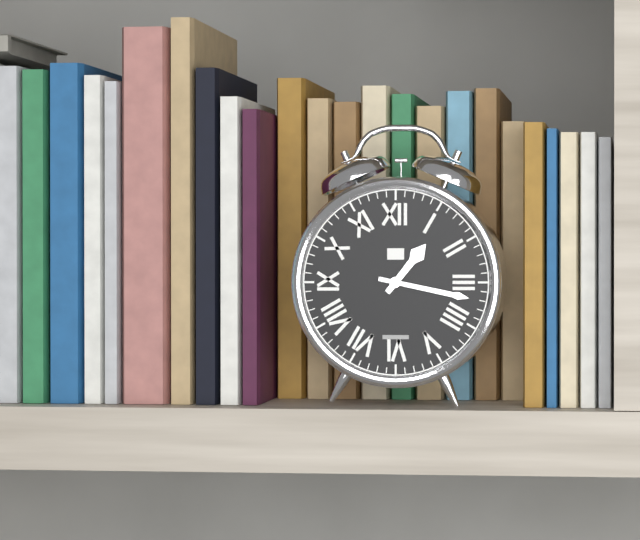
1:17
